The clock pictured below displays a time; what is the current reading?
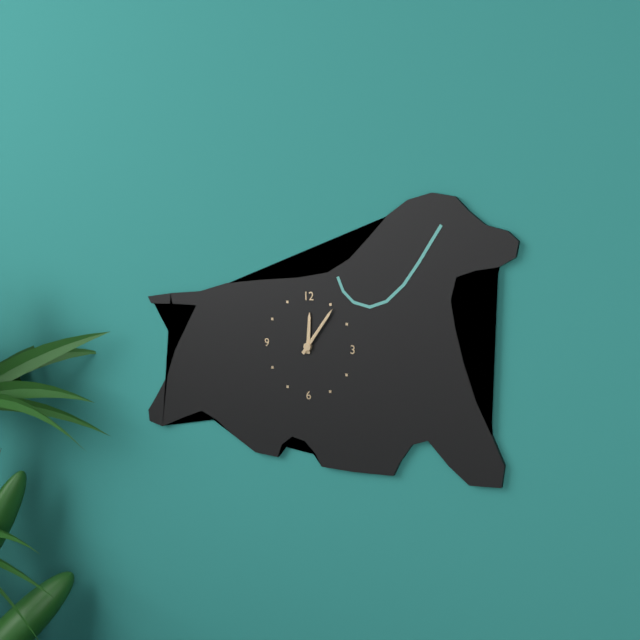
12:06
